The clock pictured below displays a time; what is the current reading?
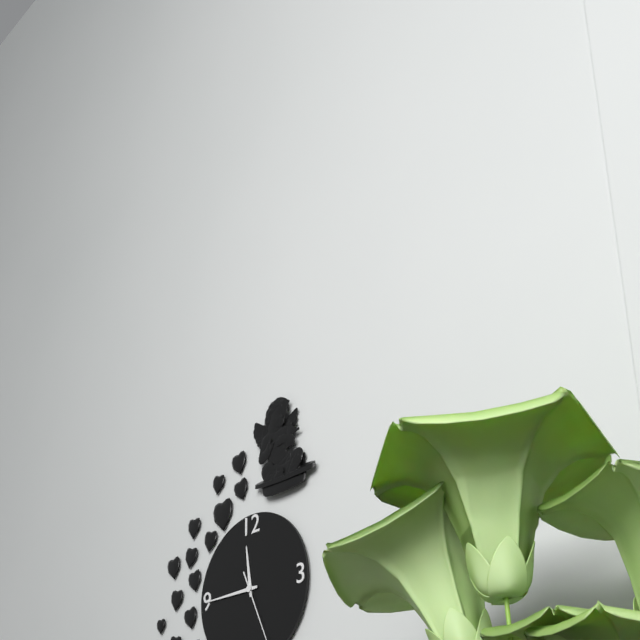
11:45
